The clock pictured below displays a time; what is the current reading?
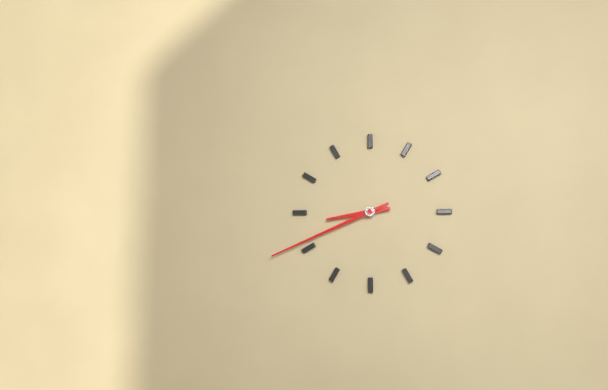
8:41
